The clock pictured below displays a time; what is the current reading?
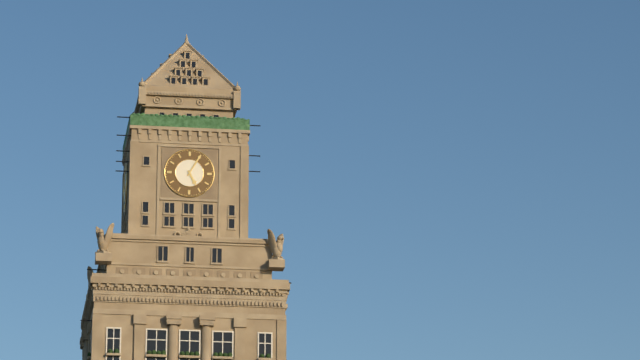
5:05
